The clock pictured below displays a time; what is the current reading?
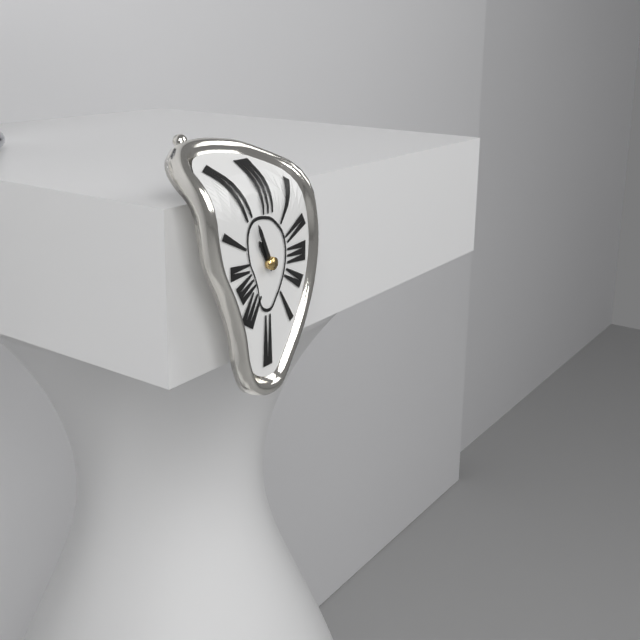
10:56
